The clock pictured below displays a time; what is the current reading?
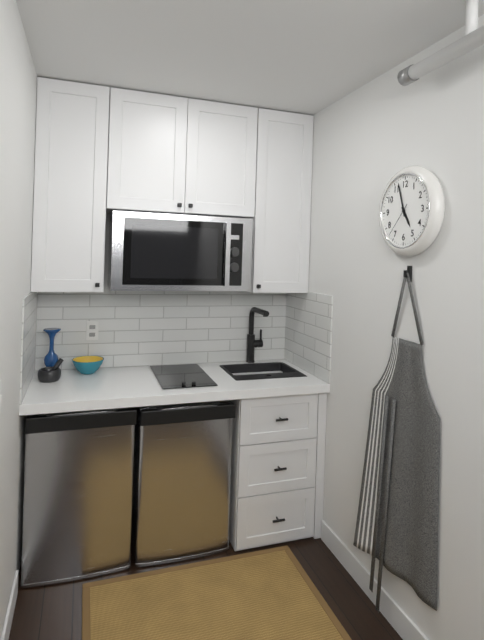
4:57
